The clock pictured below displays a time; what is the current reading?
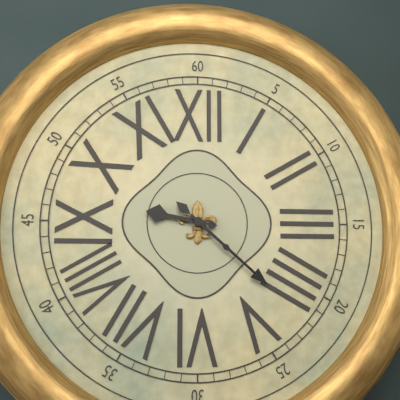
9:22
